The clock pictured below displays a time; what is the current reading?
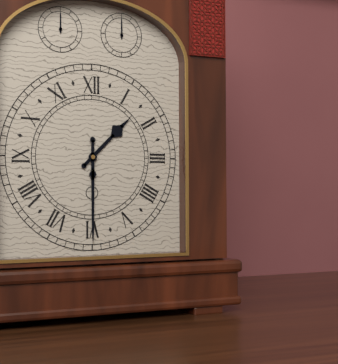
1:30
